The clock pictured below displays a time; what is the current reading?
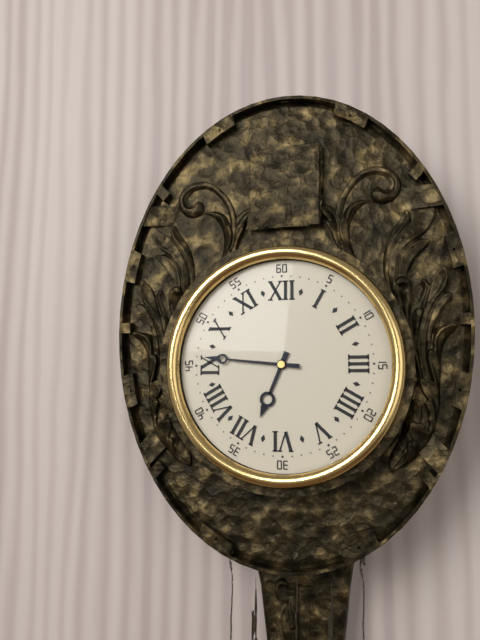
6:46
